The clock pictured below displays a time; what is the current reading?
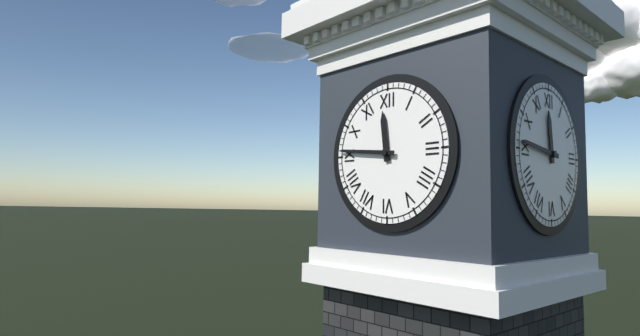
11:46
